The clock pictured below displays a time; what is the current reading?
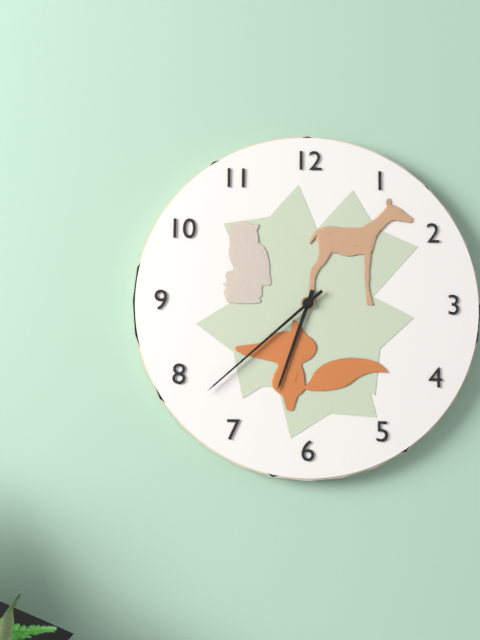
6:38
